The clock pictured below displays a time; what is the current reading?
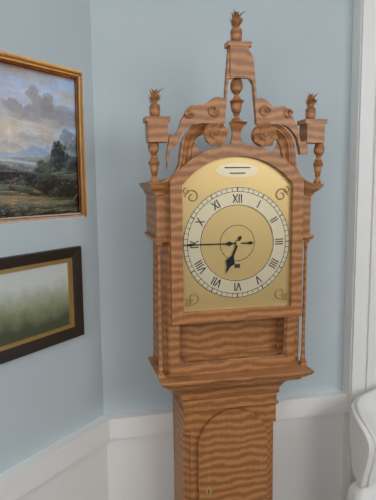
6:45
